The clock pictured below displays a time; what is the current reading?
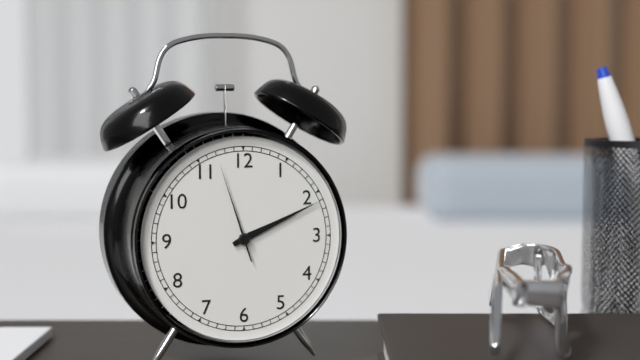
2:11:57
